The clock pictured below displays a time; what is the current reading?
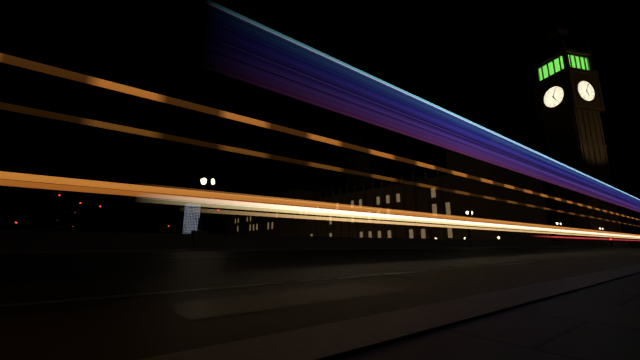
5:04
